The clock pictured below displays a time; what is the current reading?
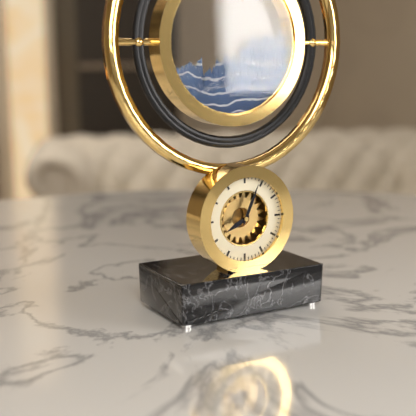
8:04
